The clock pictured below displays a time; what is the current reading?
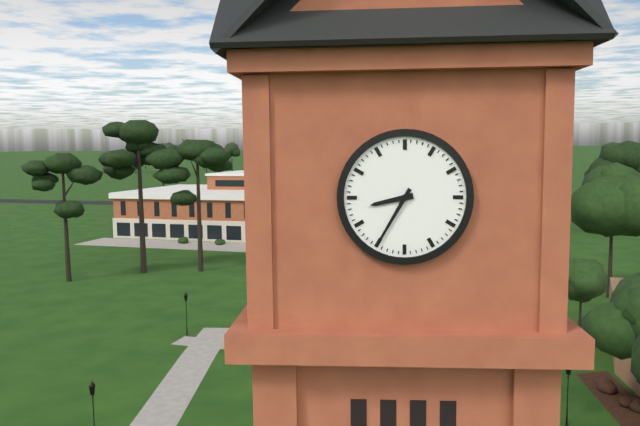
8:35
